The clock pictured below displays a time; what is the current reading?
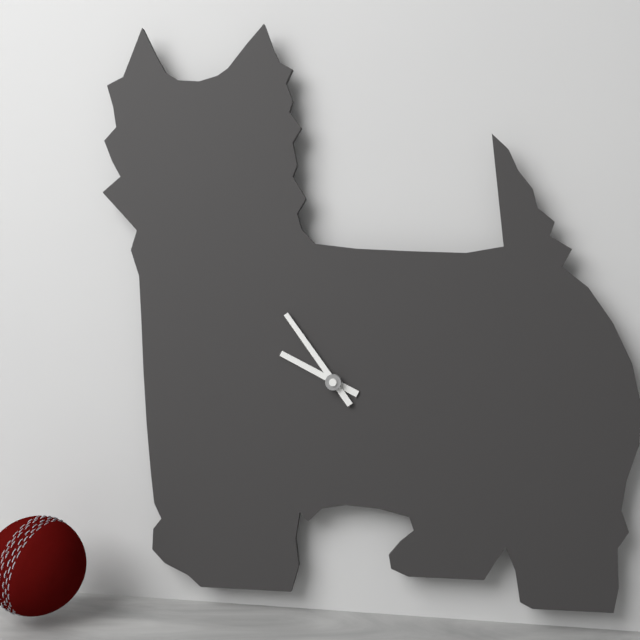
9:54
